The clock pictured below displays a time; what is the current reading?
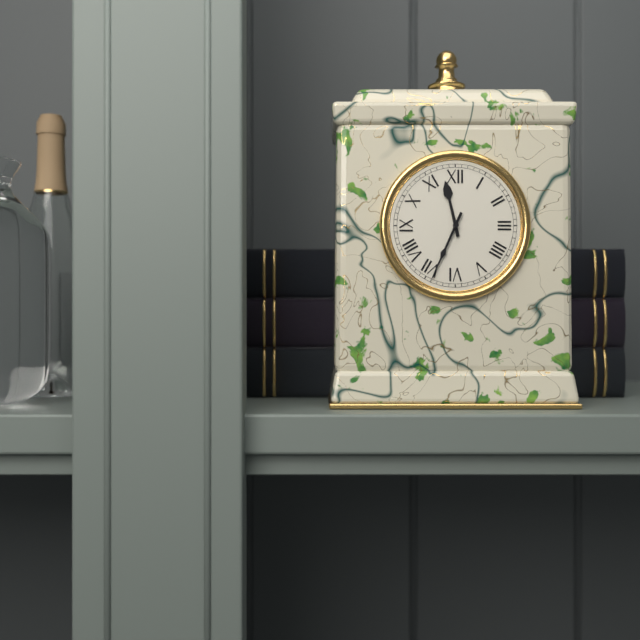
11:34
